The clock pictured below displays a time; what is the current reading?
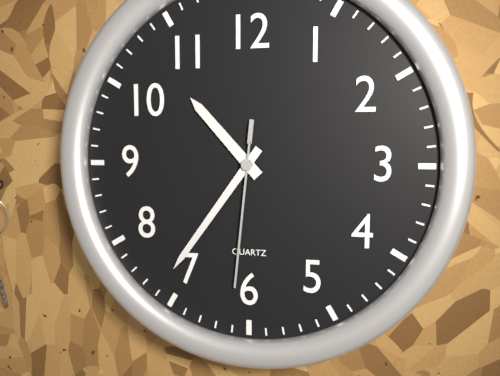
10:36:31
